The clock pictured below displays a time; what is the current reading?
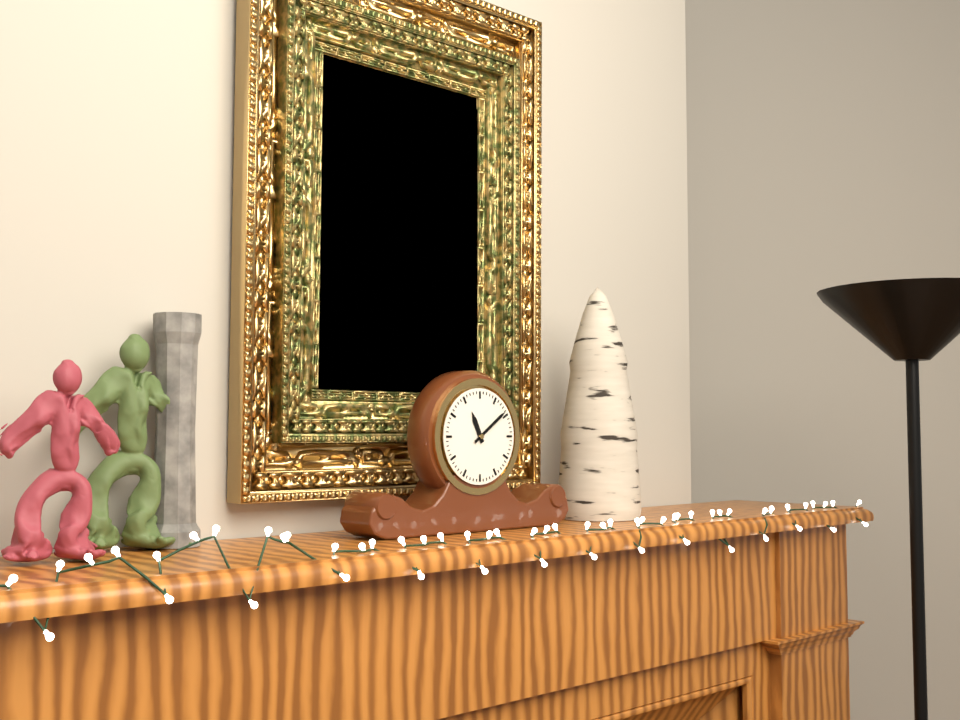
11:09
